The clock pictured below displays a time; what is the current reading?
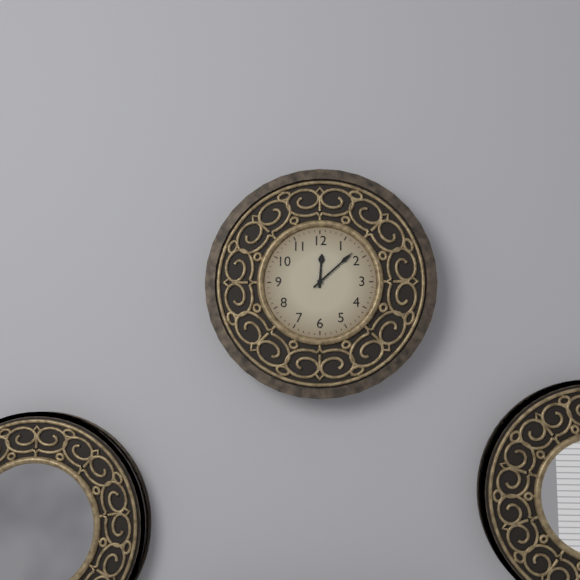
12:08
